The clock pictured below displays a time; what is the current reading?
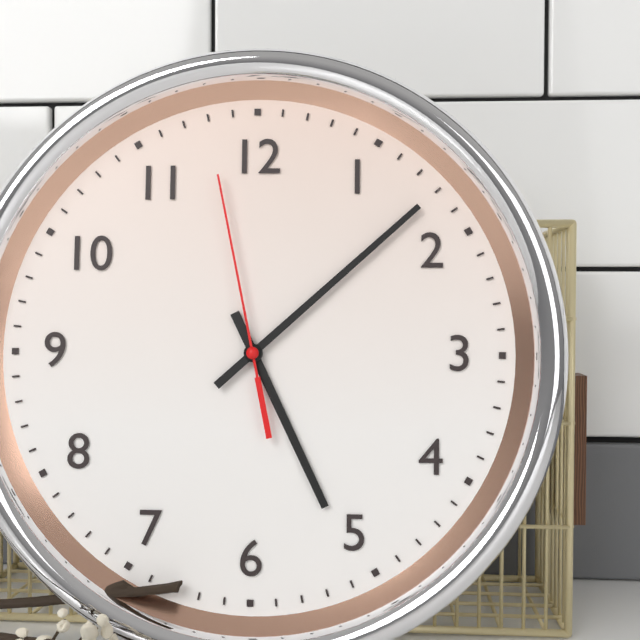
5:08:58
